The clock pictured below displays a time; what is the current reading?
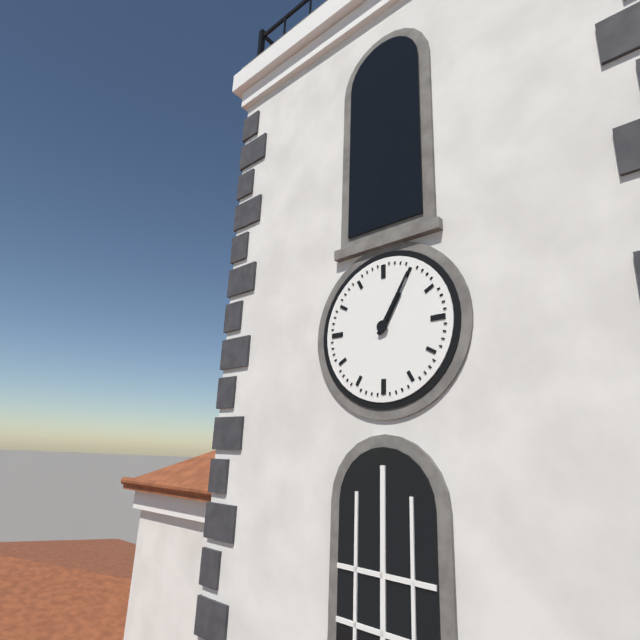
1:05
